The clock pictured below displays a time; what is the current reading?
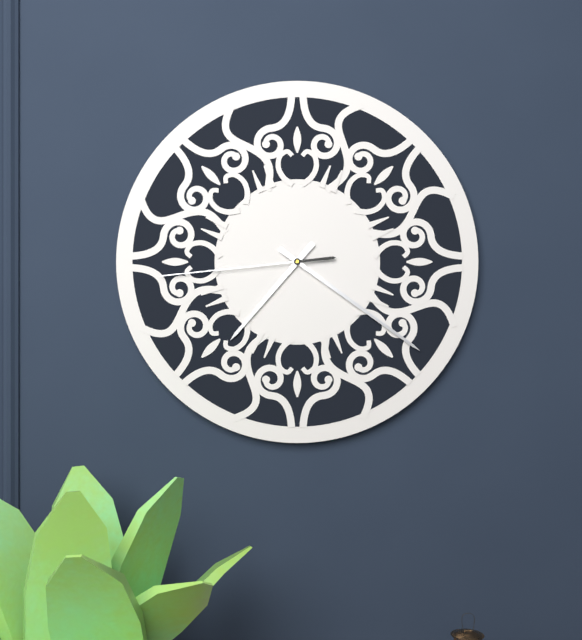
7:21:44
